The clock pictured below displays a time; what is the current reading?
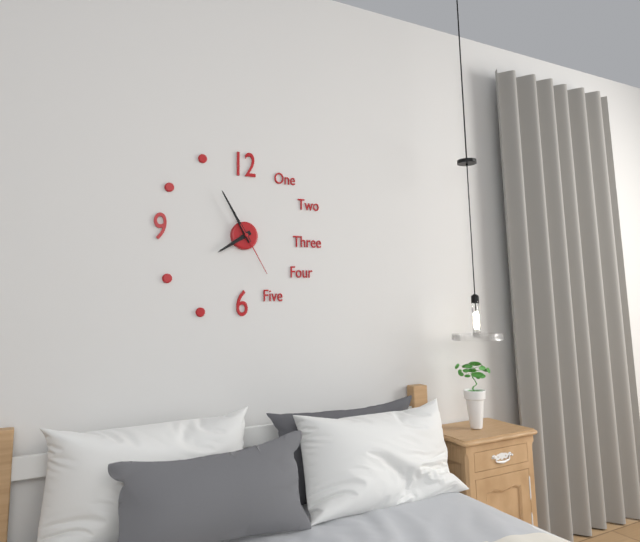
7:55:25
